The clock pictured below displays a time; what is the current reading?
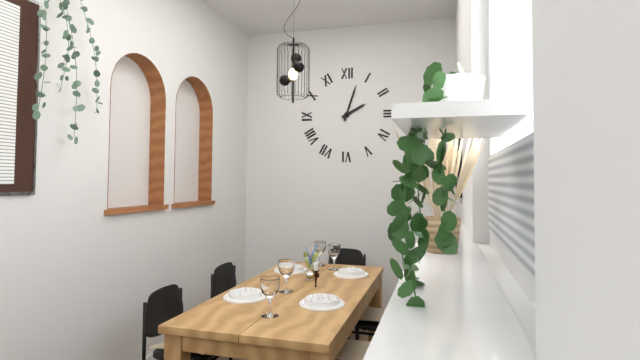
2:03
